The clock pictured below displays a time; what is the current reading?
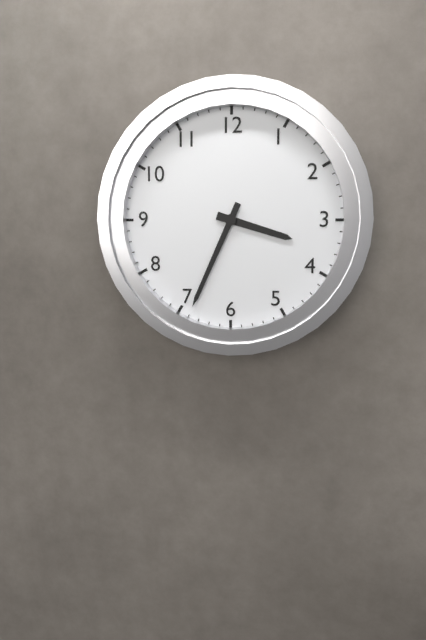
3:34
